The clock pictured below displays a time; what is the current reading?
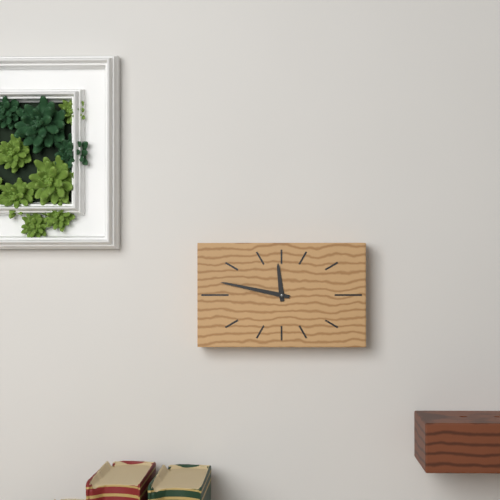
11:47
